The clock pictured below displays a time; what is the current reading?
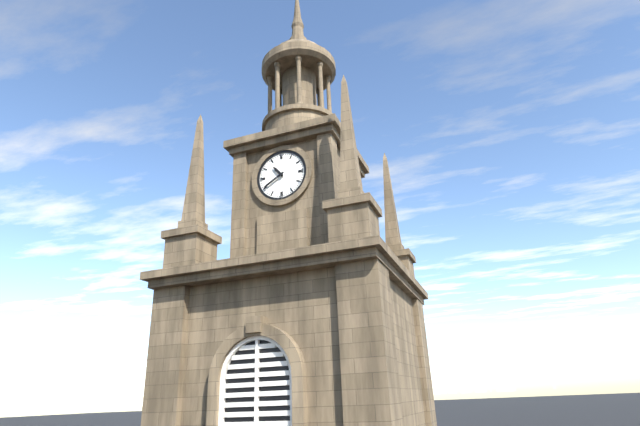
10:40
